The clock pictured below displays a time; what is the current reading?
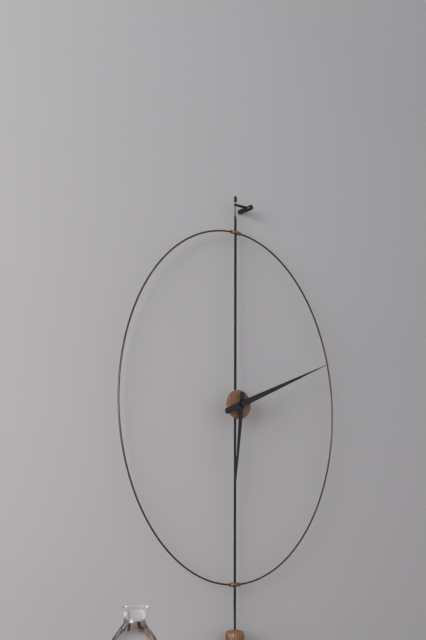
6:11
